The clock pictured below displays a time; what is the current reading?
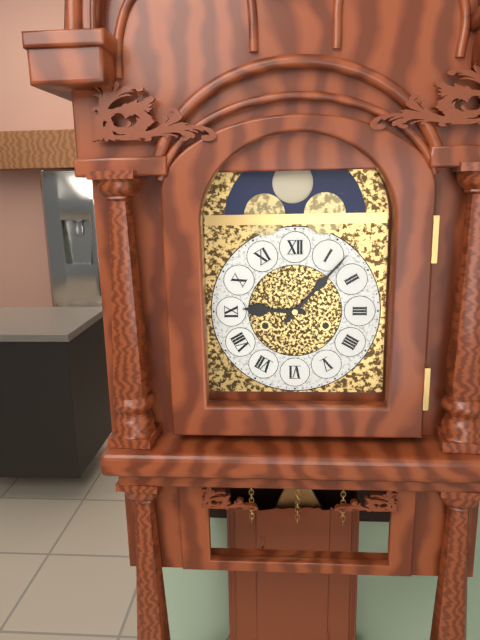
9:07
